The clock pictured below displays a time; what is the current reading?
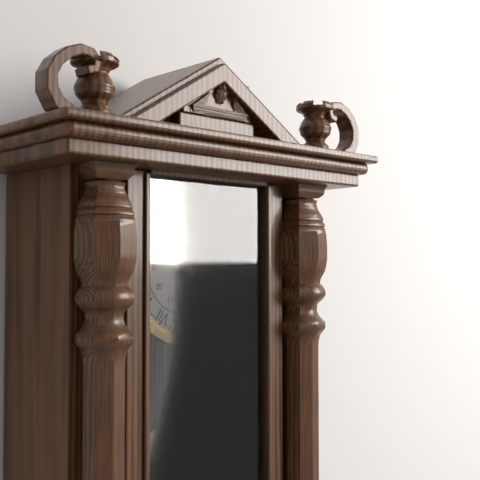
12:50
